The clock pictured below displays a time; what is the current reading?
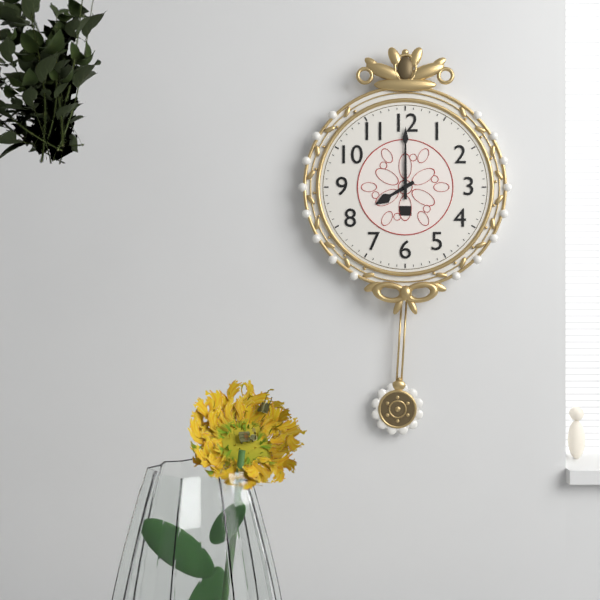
8:00
